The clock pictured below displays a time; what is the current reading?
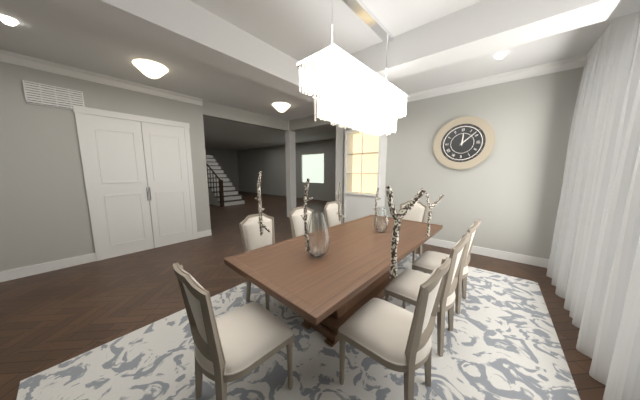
12:08
